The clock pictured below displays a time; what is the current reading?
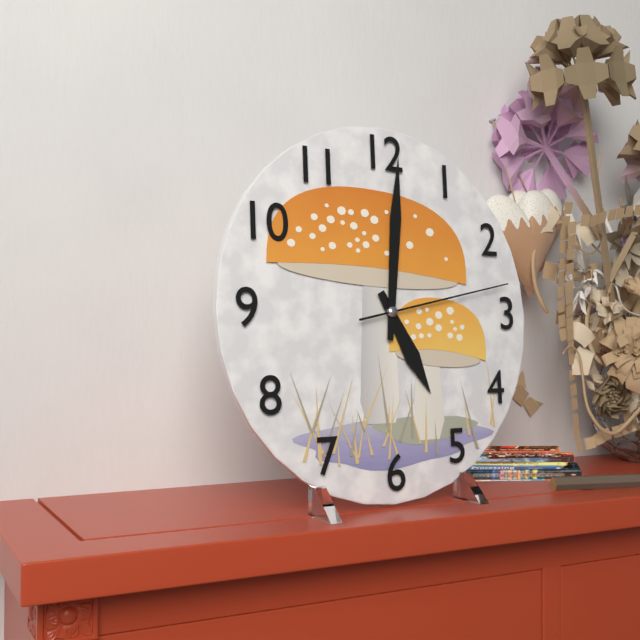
5:01:13
